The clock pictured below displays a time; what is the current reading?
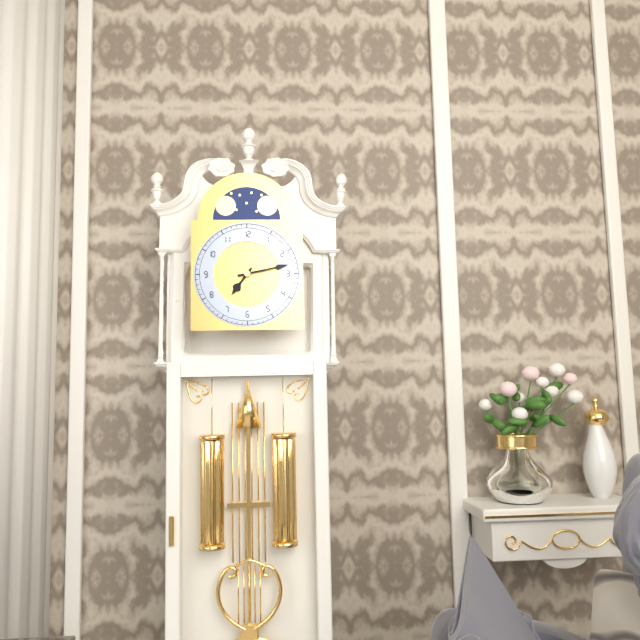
7:13
